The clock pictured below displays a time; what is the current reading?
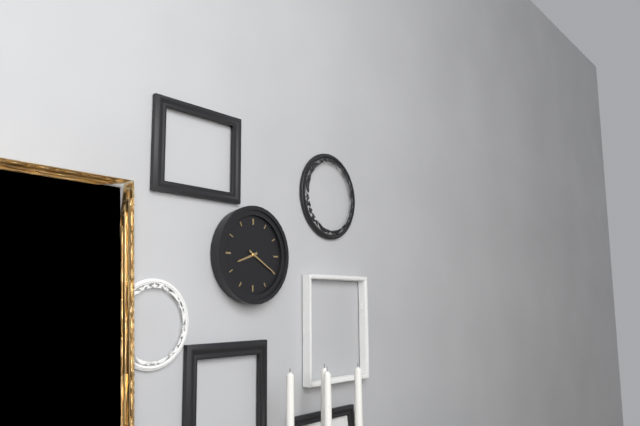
8:20
